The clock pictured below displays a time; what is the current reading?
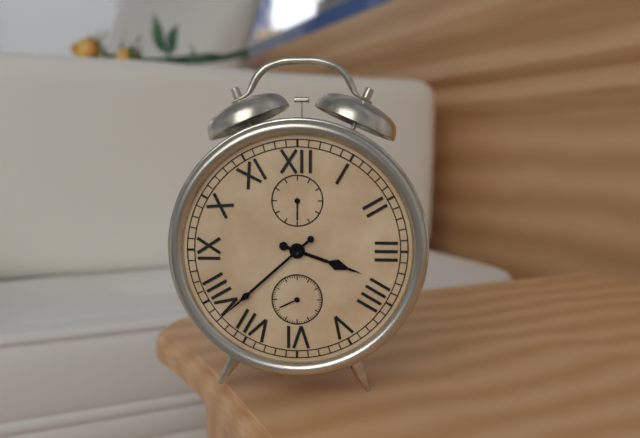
3:38
